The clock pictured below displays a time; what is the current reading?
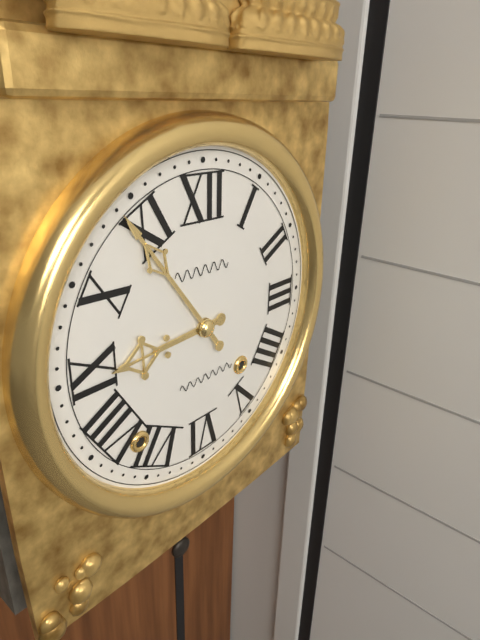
8:54
